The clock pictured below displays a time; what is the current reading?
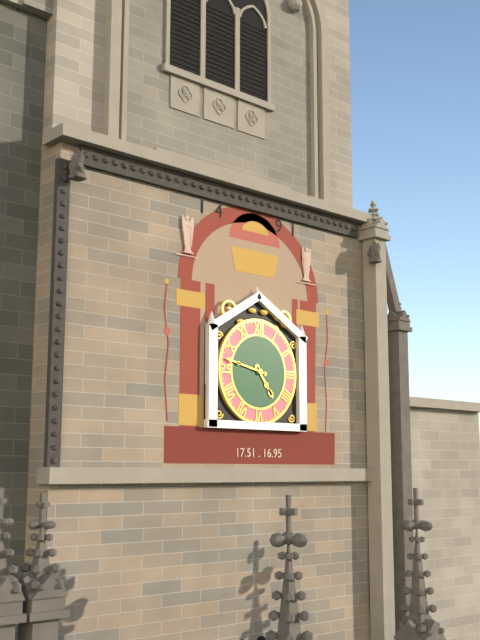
4:47
